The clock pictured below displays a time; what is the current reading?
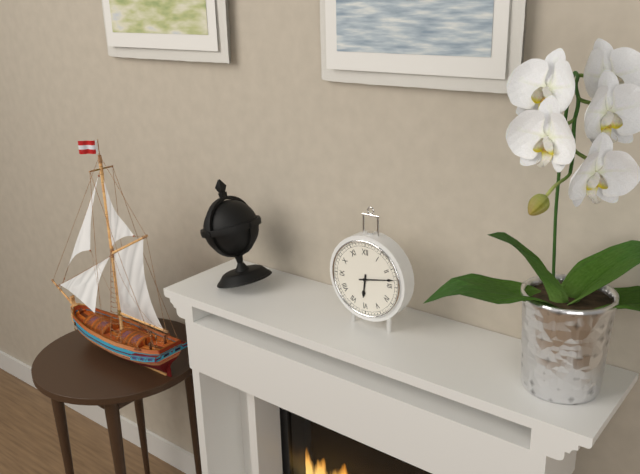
6:13
